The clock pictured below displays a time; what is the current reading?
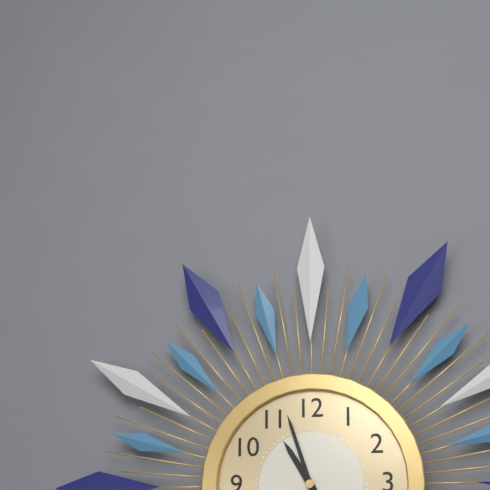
10:57
